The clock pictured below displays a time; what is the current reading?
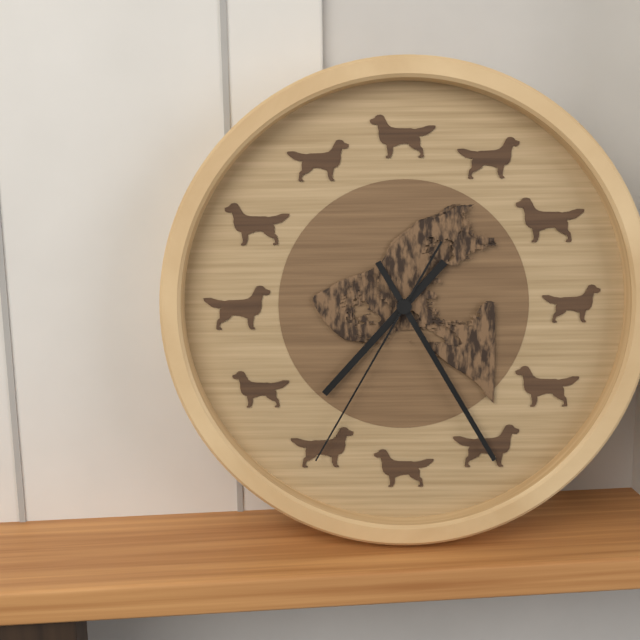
7:25:35
